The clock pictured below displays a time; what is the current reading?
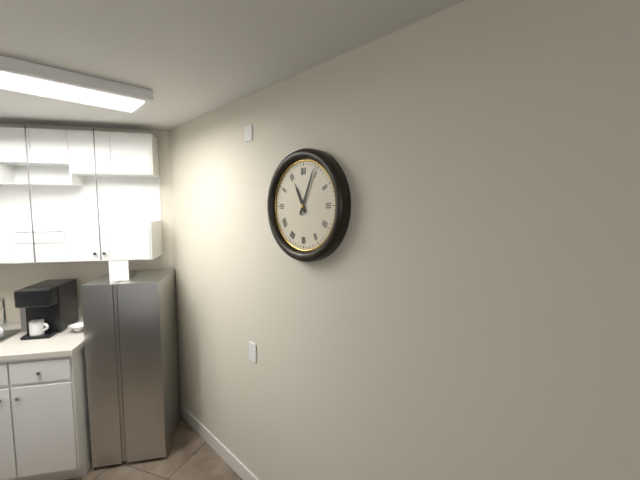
11:04
